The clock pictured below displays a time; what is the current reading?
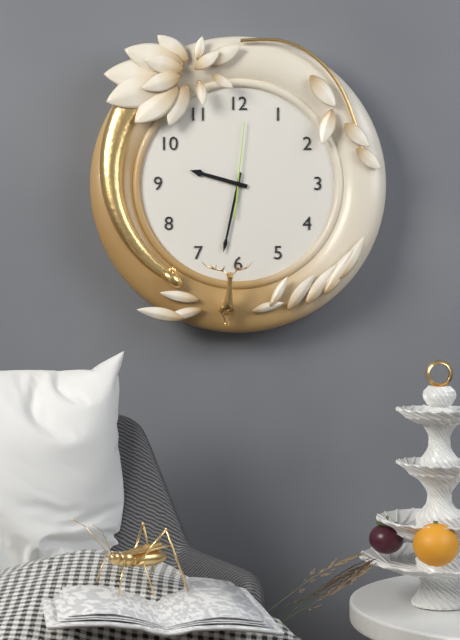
9:32:01
